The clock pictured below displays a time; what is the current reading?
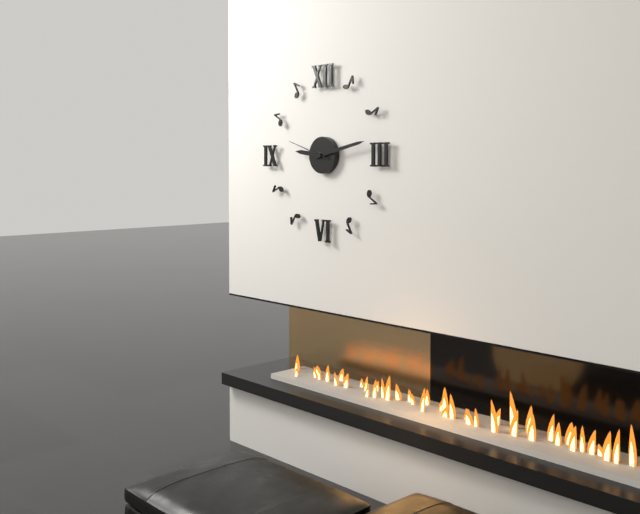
9:13
